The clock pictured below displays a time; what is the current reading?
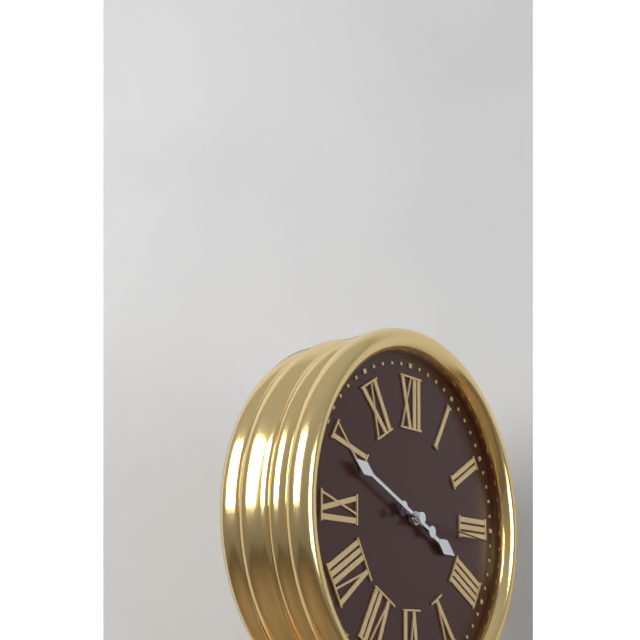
3:49:16
